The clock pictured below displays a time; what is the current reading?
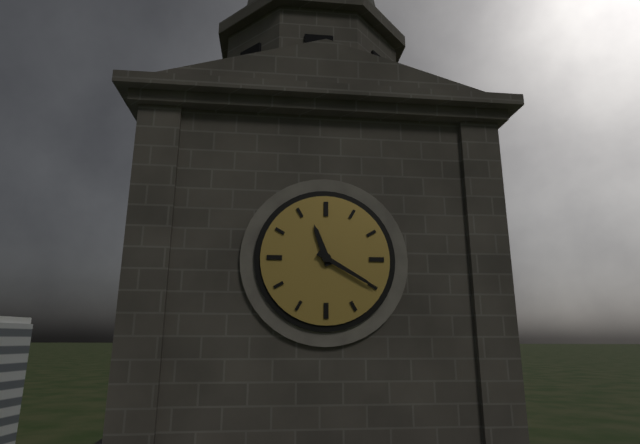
11:20
